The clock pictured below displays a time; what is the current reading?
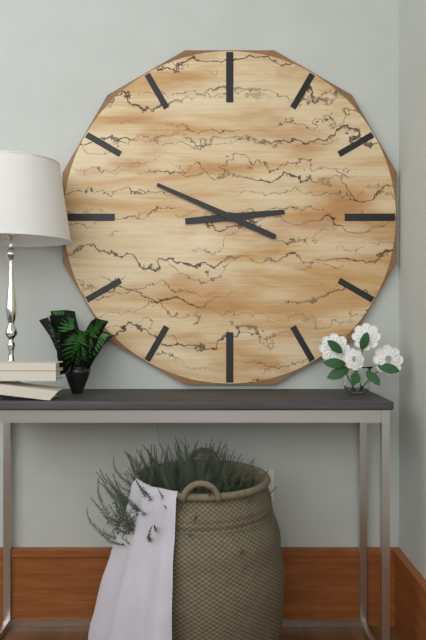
2:49
